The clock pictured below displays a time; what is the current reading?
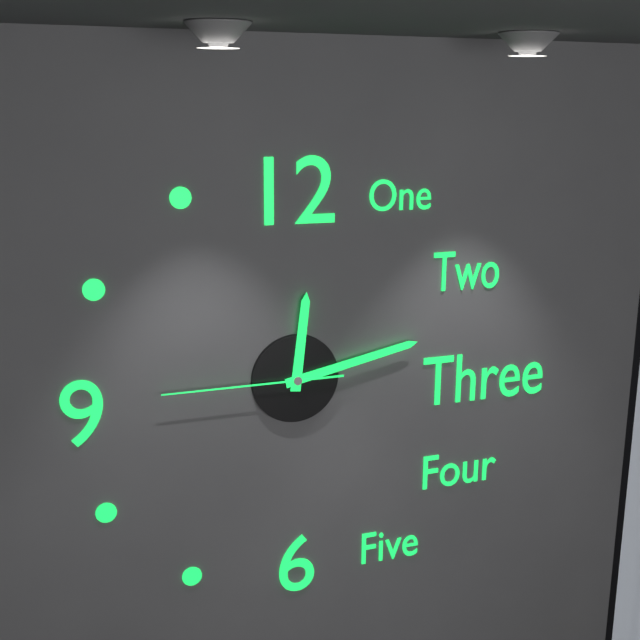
12:13:45
